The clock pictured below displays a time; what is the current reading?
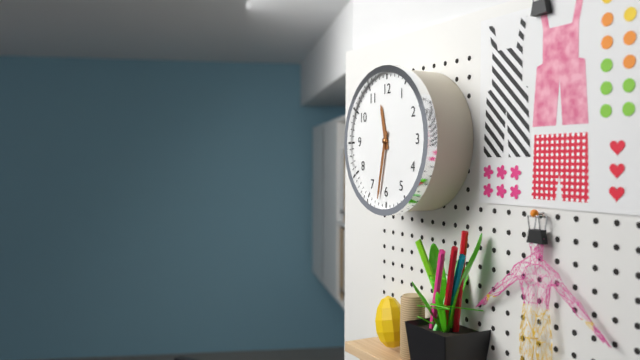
11:32
